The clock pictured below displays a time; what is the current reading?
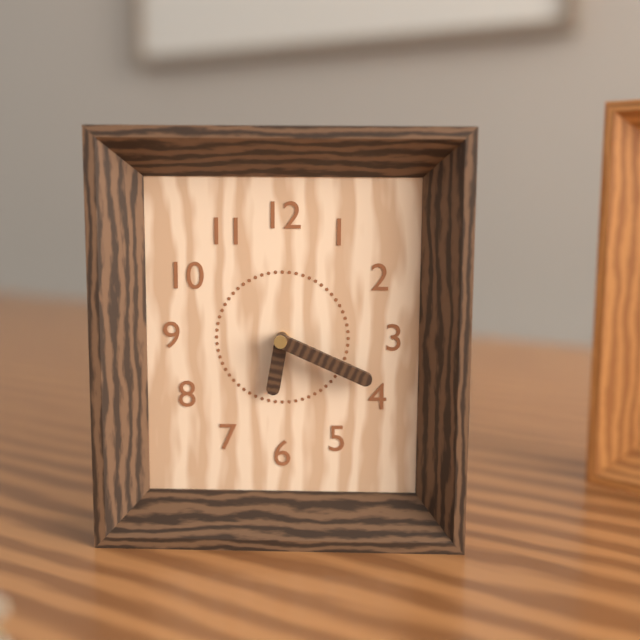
6:19
